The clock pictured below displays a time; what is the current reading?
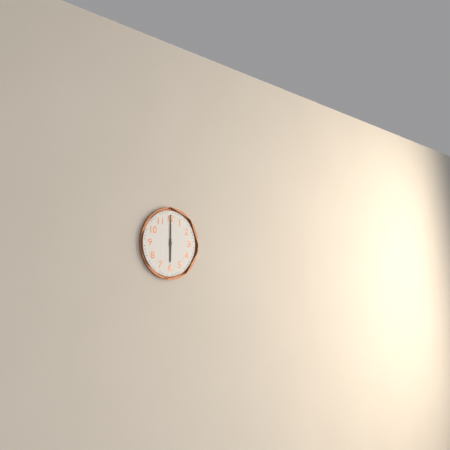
6:00
